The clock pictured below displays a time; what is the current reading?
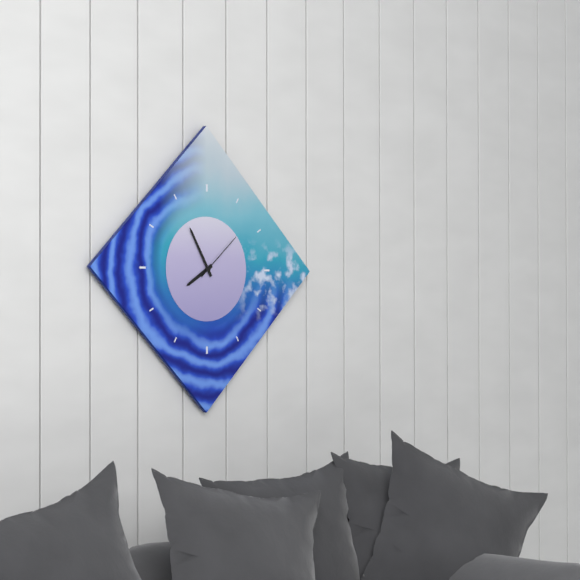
7:55:08
